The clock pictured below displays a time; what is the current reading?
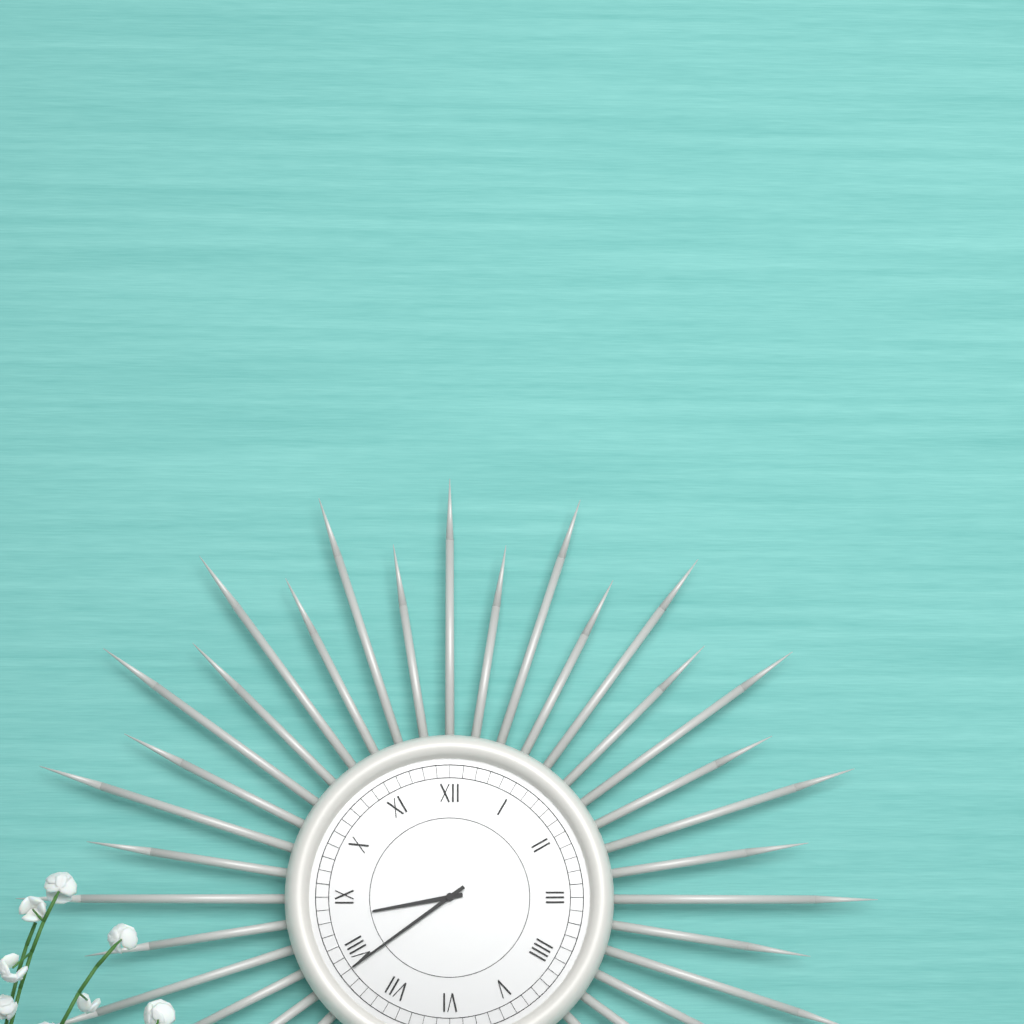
8:39
